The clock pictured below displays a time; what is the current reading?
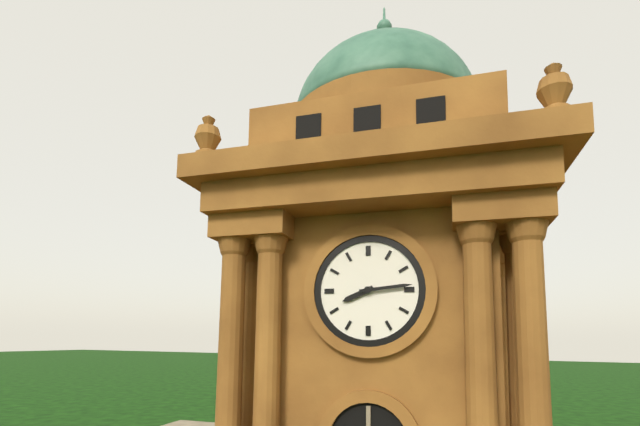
8:14
